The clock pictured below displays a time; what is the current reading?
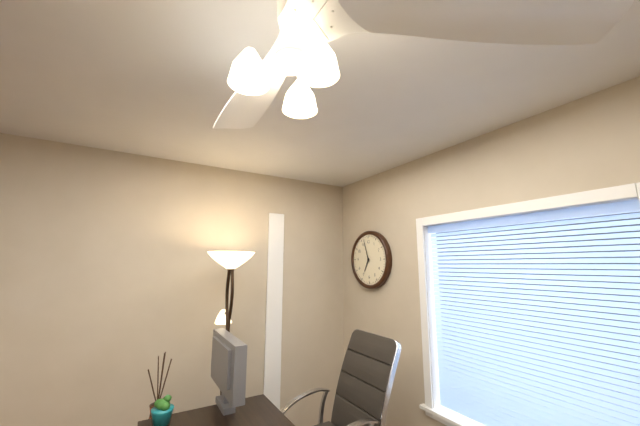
6:57
